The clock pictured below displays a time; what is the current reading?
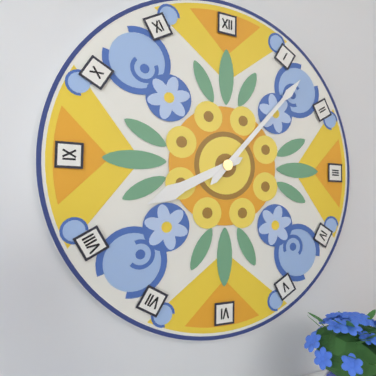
8:07
